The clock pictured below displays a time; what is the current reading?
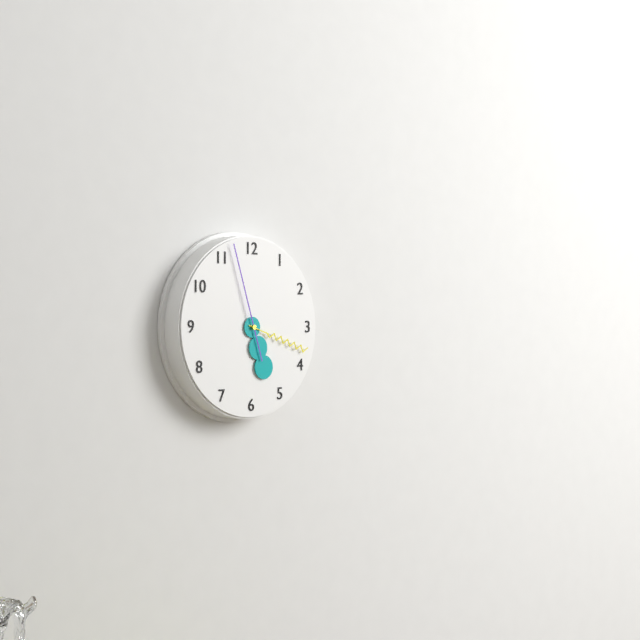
5:18:57
